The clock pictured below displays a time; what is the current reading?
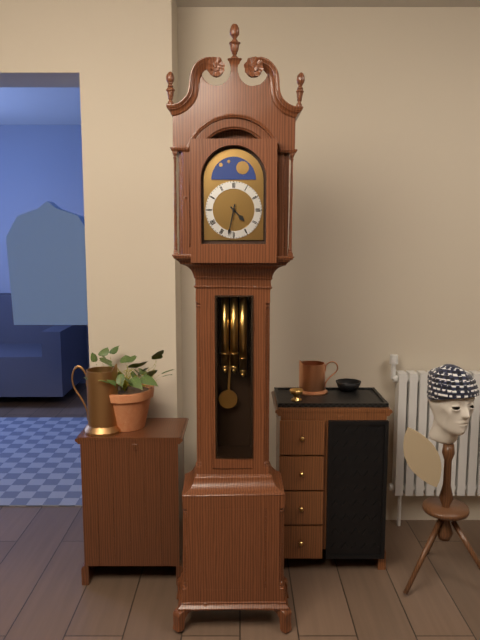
4:32
